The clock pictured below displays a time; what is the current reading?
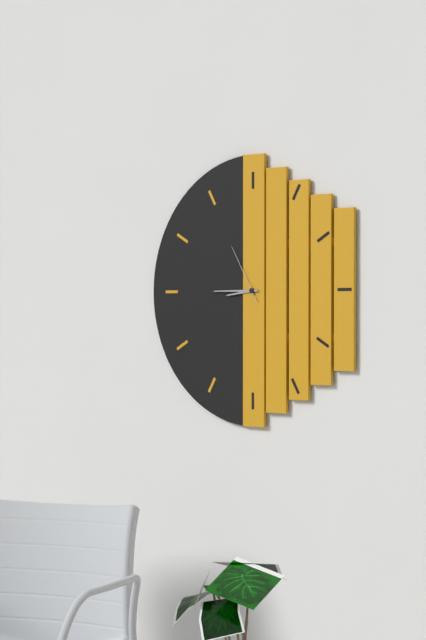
8:45:55
